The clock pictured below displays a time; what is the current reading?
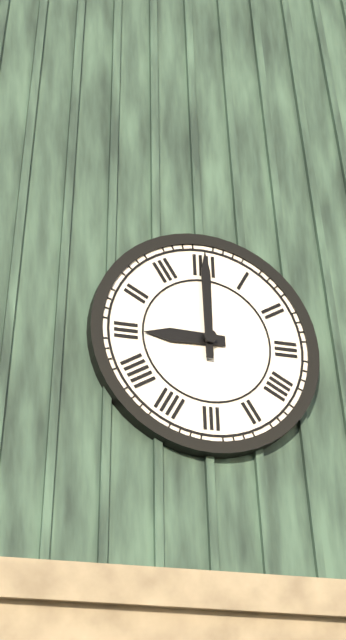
9:00
